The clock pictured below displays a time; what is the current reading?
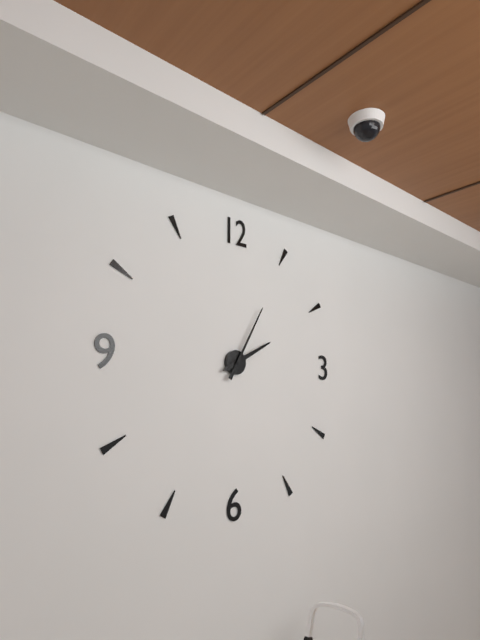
2:05
